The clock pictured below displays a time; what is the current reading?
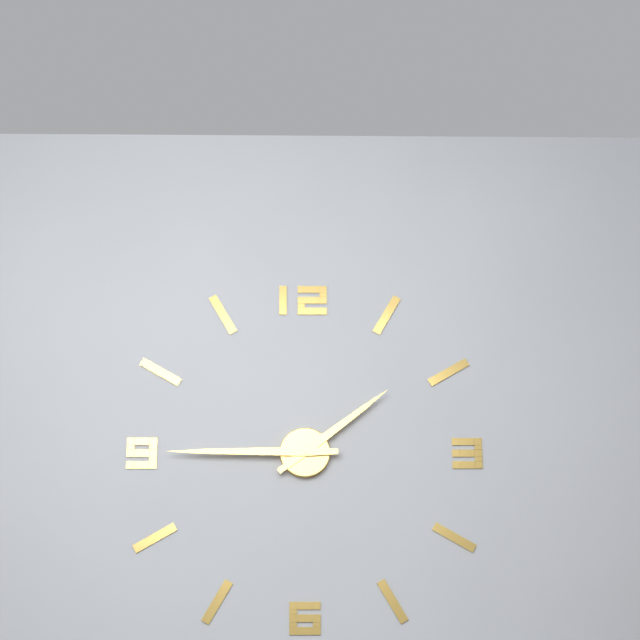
1:45
